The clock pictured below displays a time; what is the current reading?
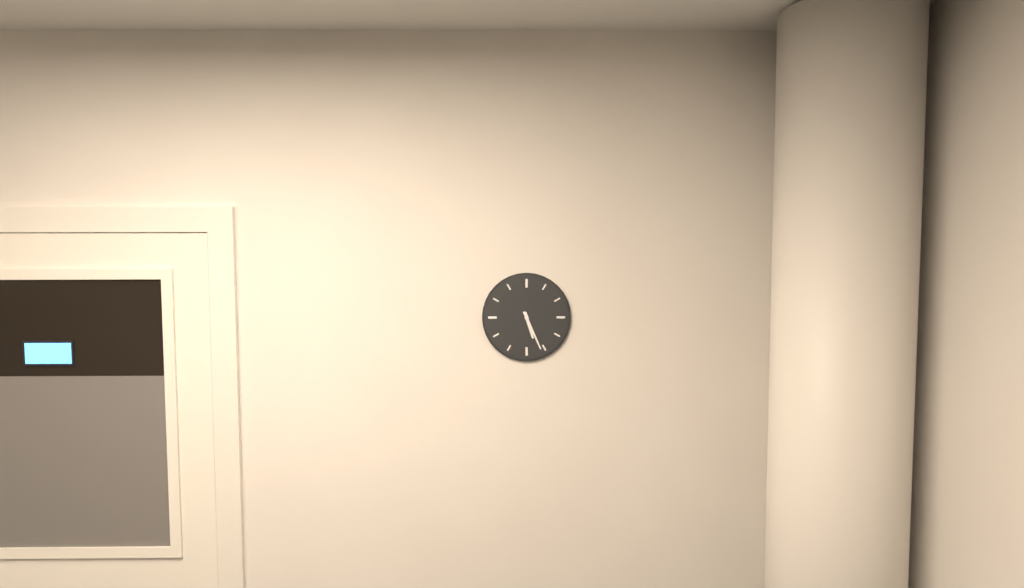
5:26
